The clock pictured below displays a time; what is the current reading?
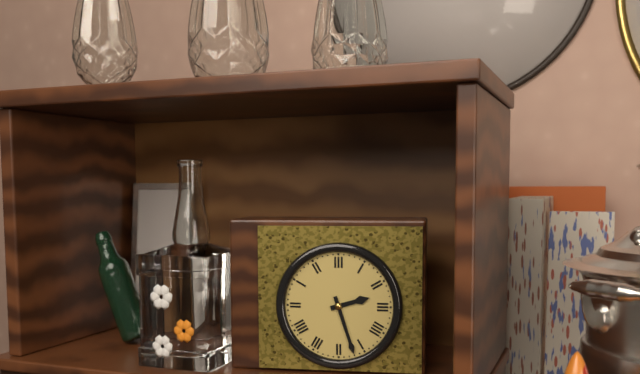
2:27
